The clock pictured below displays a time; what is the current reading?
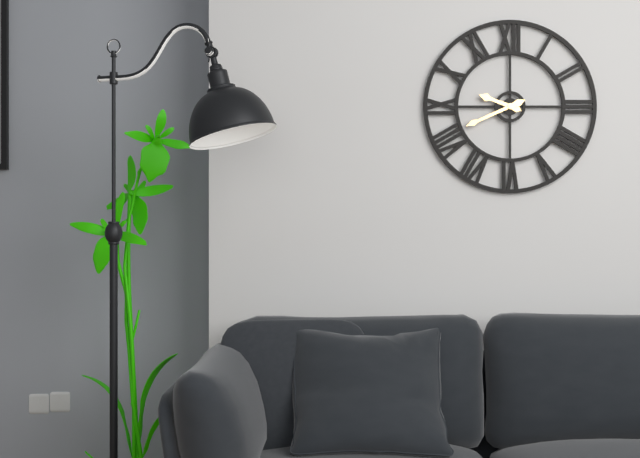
9:41
